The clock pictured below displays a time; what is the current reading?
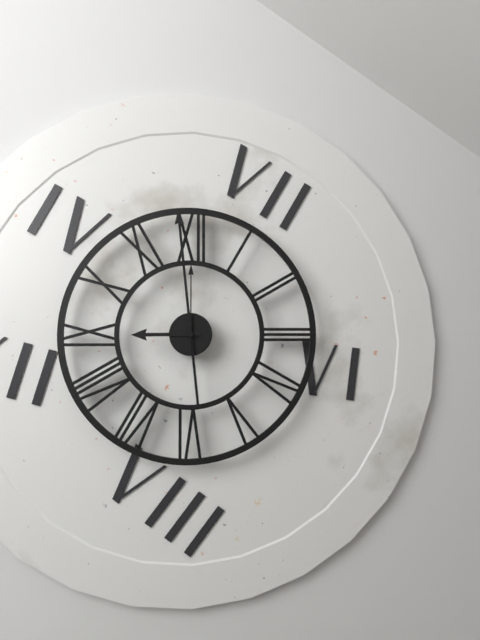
8:59:00
